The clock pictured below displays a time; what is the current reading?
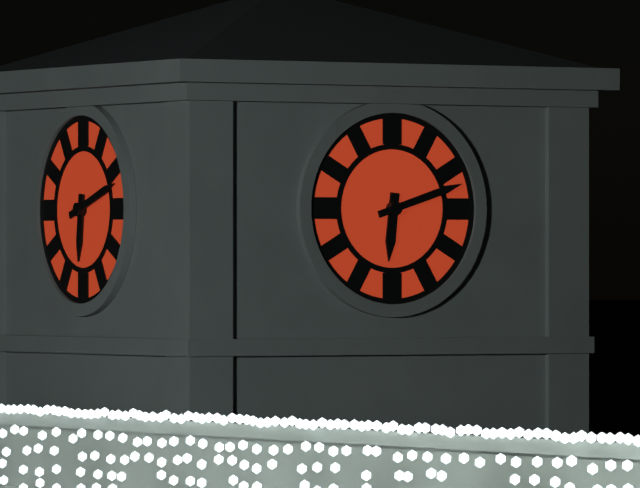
6:12
